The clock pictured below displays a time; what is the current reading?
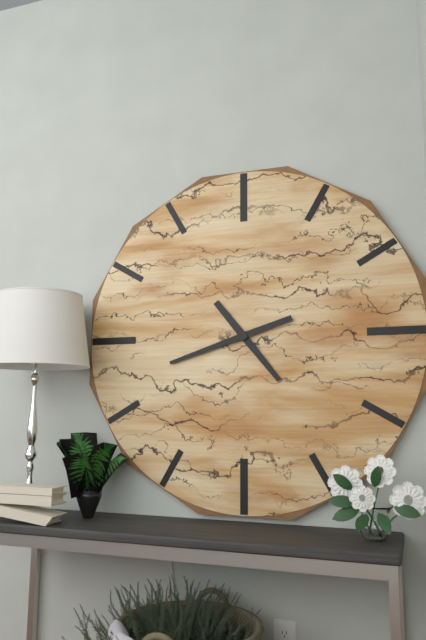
4:42
